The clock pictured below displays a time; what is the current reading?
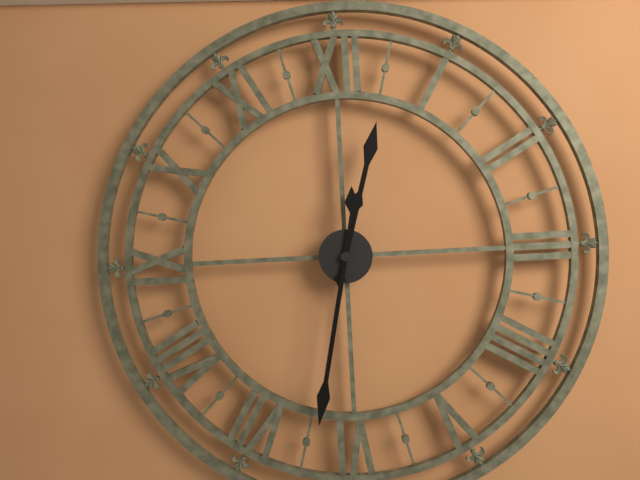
12:32
